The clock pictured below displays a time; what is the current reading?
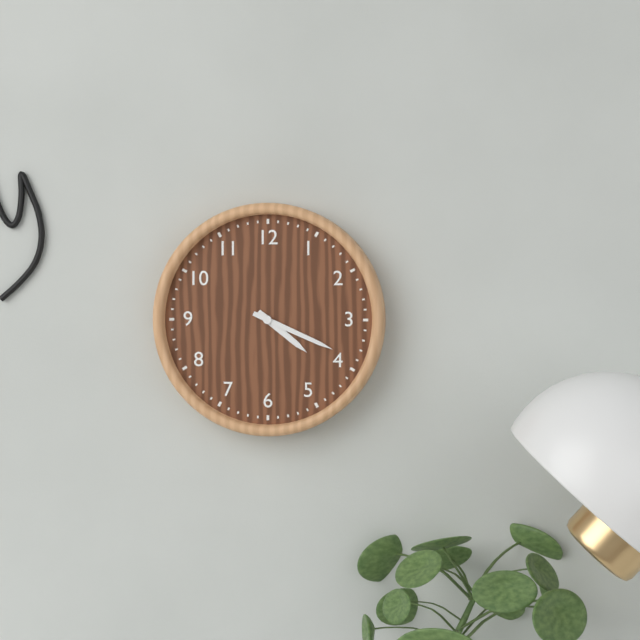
4:19
